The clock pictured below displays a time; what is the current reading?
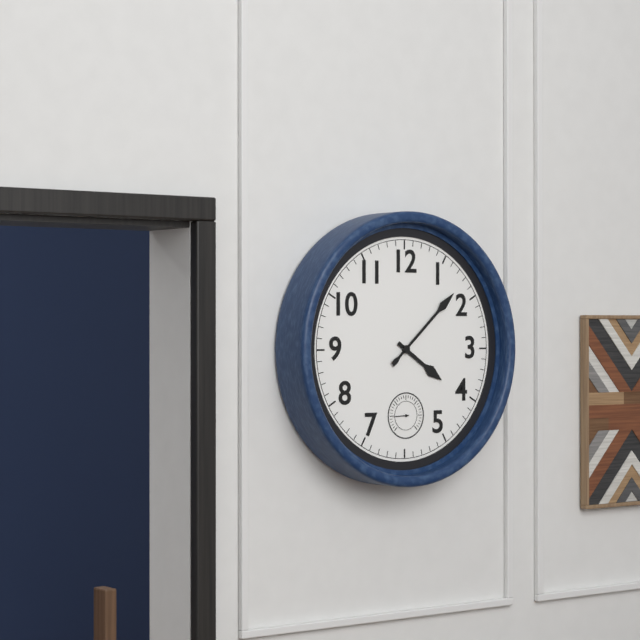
4:08
